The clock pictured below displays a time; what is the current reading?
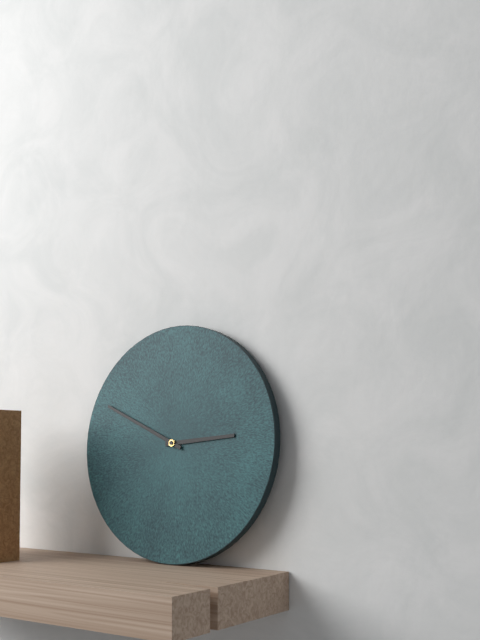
2:49
